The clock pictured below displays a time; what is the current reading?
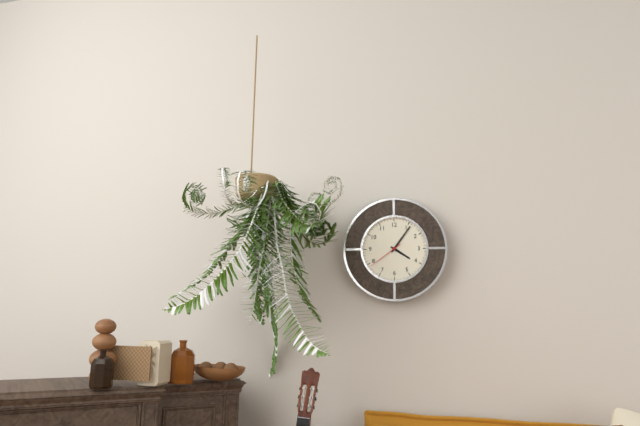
4:06
